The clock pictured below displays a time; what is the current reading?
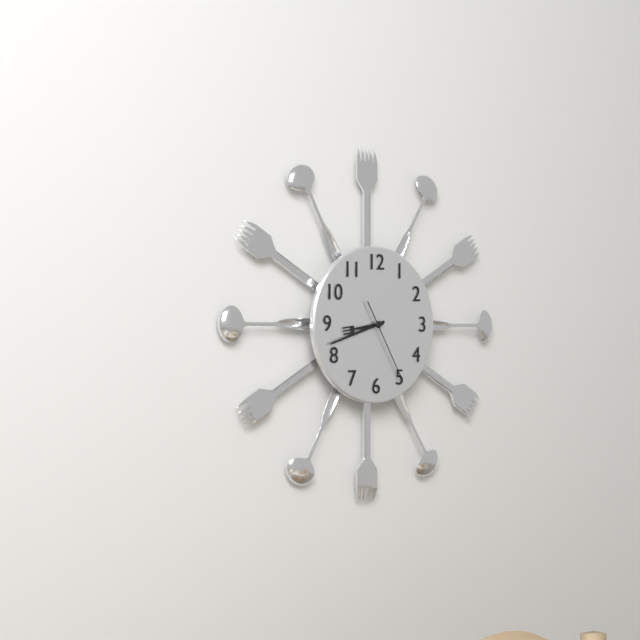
8:42:25
